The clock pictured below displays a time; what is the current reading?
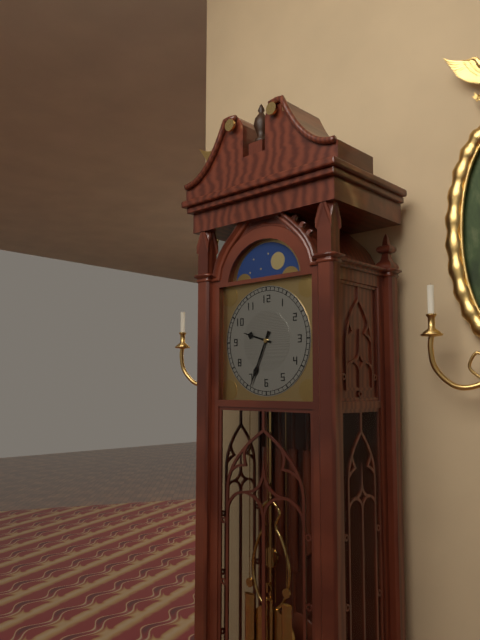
9:34
